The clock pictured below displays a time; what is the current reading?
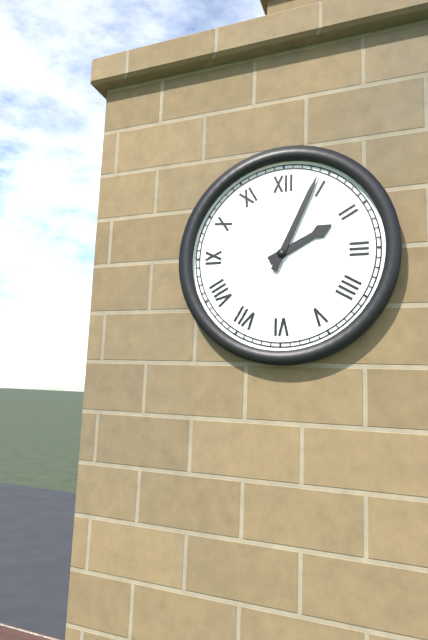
2:04
